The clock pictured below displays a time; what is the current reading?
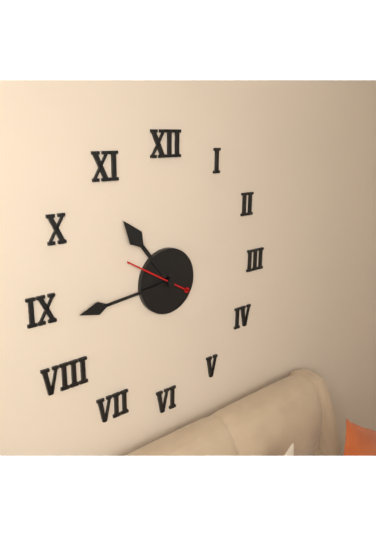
10:44:50
